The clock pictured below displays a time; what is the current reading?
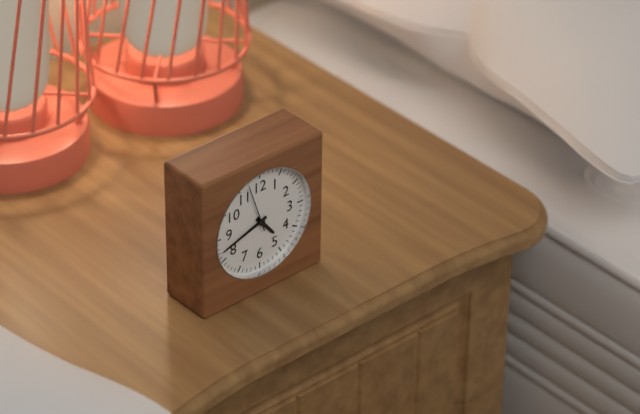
4:42
